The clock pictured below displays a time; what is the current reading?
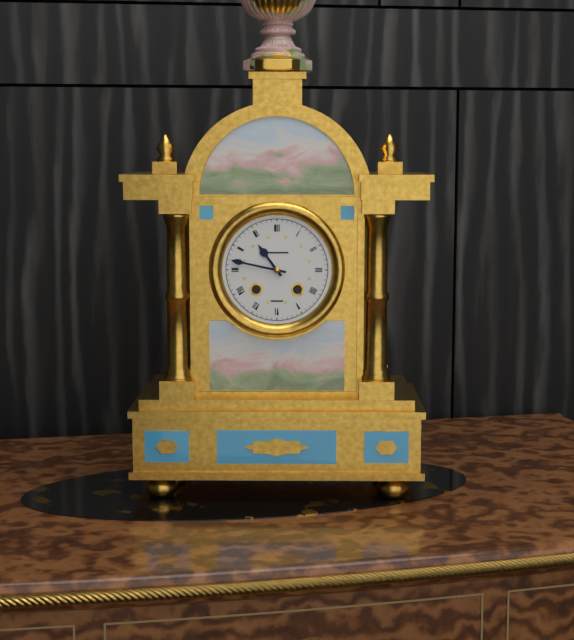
10:47
